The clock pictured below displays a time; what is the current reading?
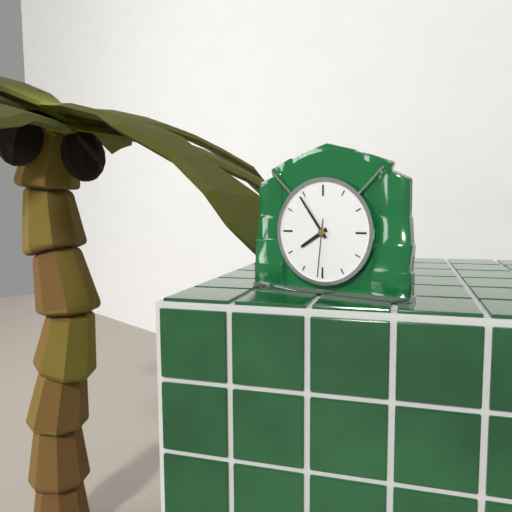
7:54:31
